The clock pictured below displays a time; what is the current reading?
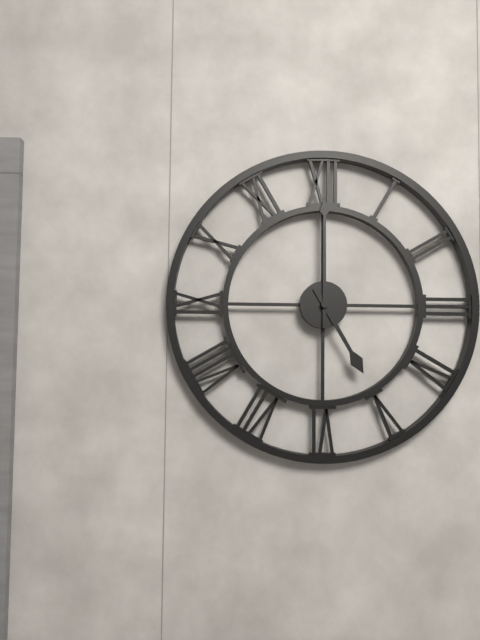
5:00
